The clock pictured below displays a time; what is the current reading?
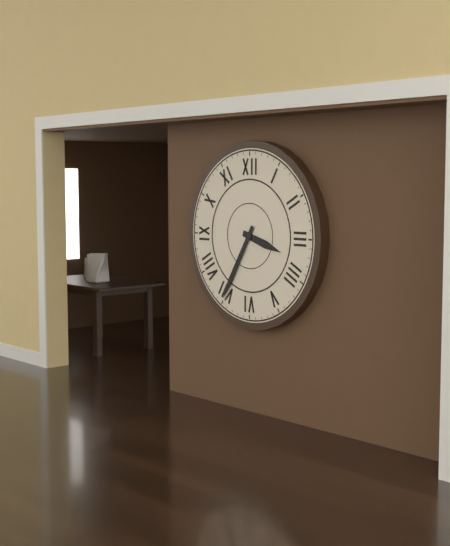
3:35
